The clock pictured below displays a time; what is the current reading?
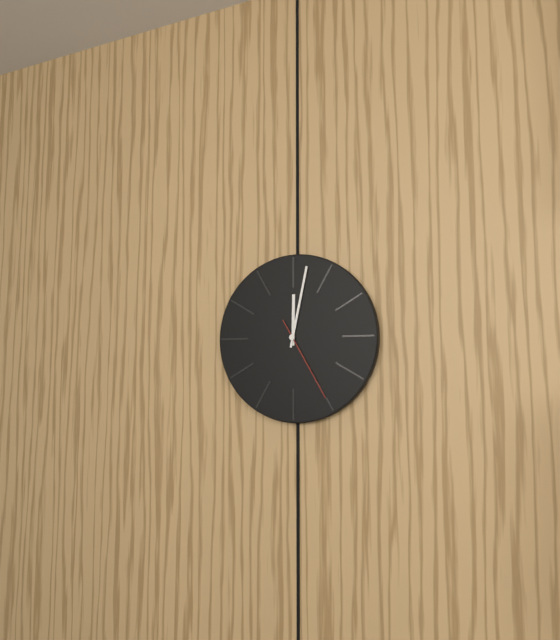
12:02:25
